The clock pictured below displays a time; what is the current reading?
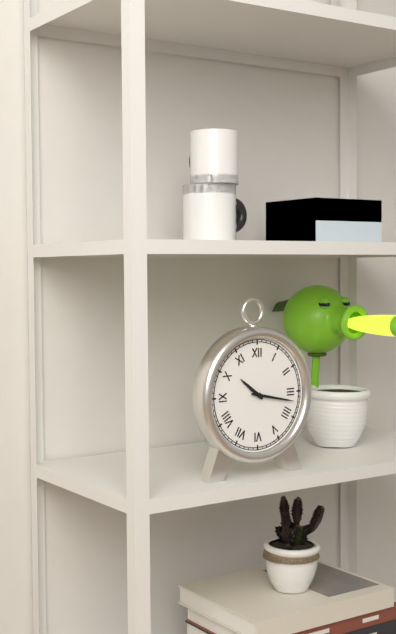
10:17
